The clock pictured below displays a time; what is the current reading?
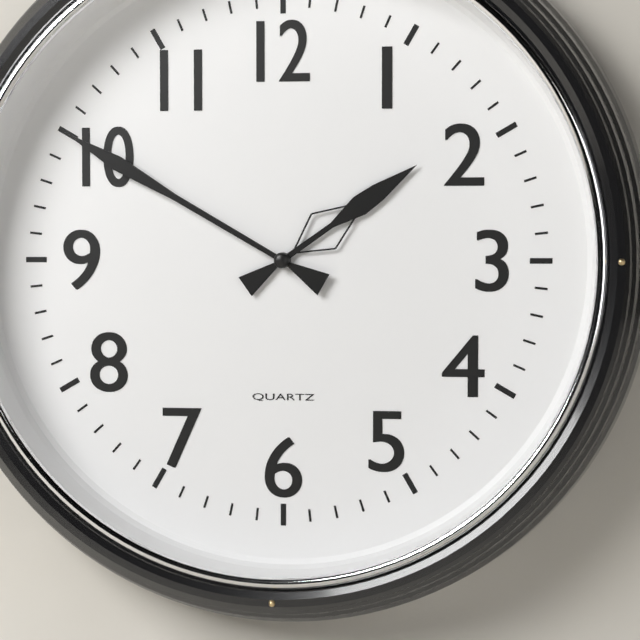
1:50
